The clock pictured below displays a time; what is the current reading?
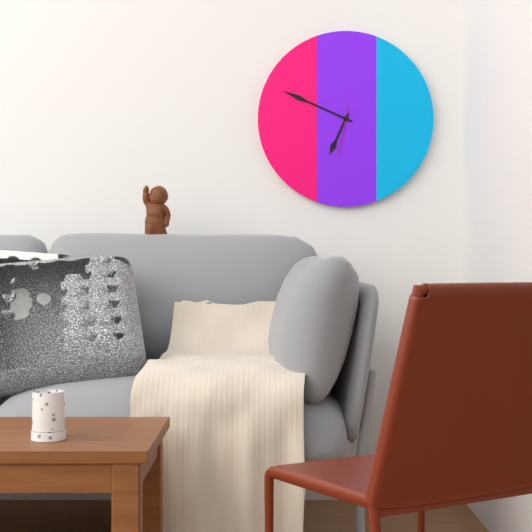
6:49
